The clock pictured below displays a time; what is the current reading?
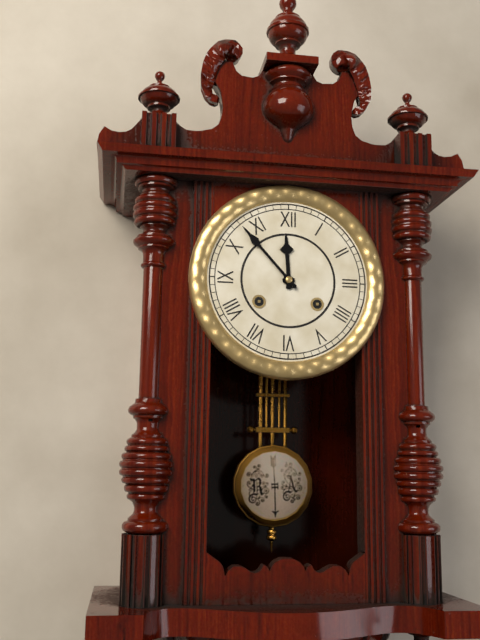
11:53
